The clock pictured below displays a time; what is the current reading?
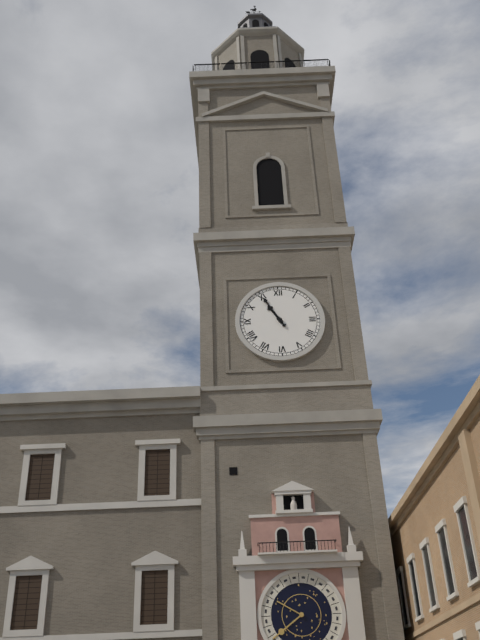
10:55
